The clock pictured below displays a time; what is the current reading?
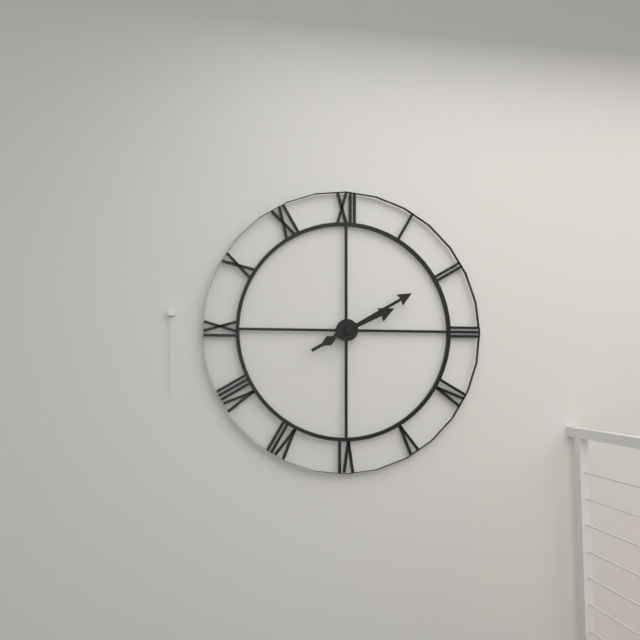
2:10
